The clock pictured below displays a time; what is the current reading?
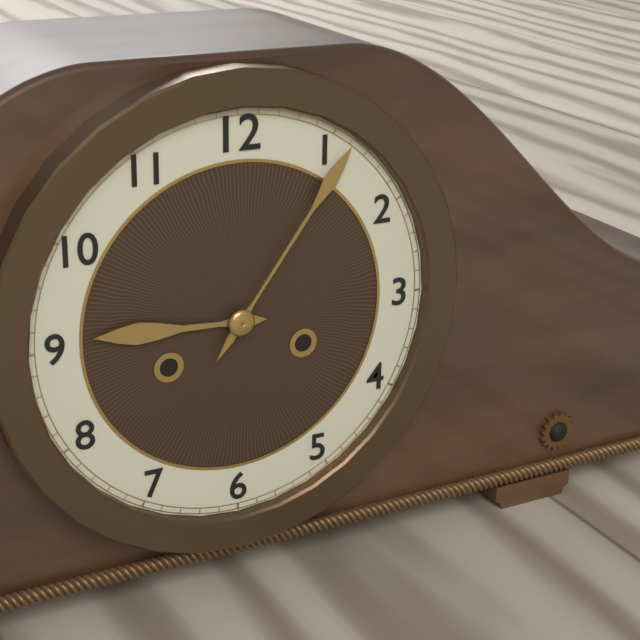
9:06
